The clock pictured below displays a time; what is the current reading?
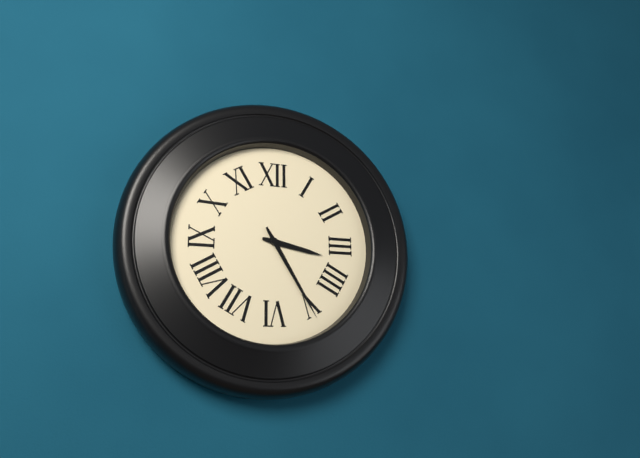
3:25
